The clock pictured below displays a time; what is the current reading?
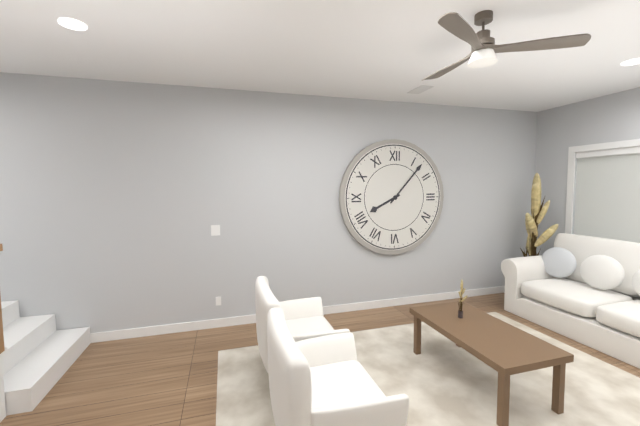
8:07
